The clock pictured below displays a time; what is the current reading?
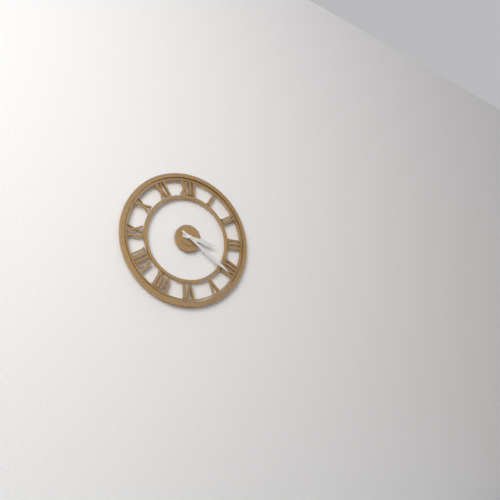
3:21
